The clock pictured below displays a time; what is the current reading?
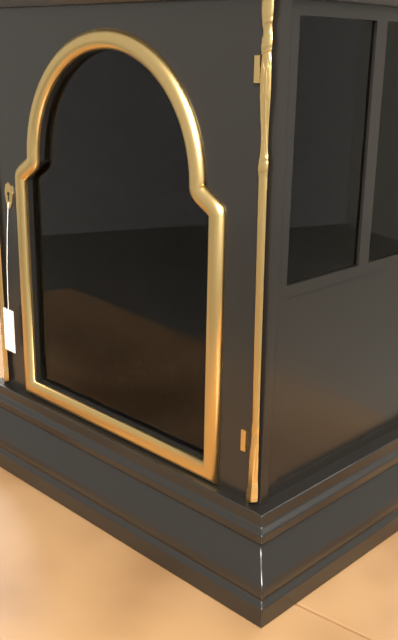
1:43
